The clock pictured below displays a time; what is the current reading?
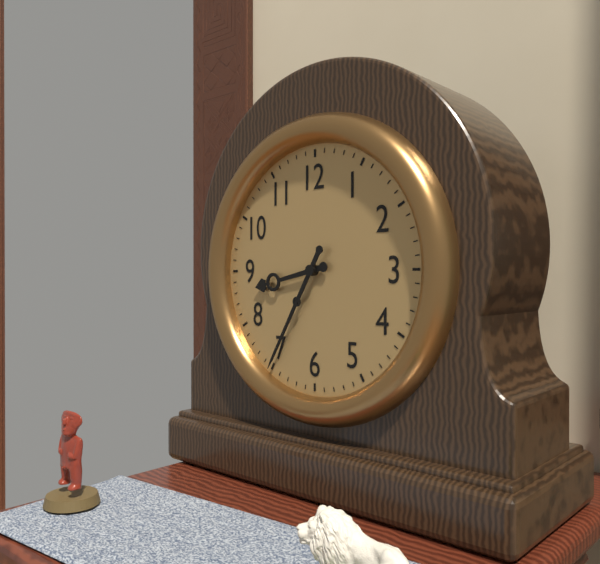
8:35
